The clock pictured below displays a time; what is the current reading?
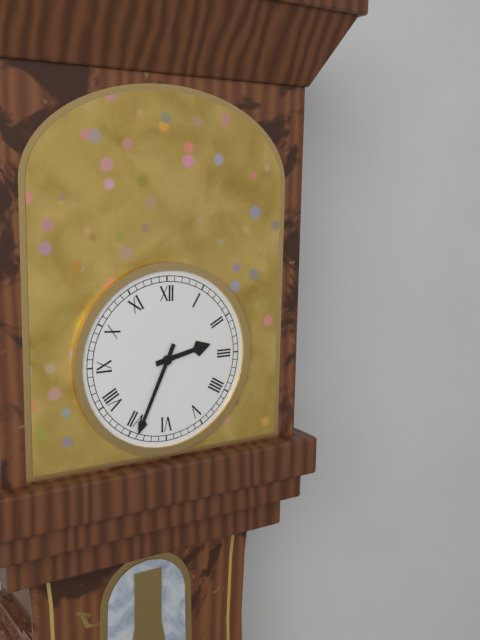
2:34
